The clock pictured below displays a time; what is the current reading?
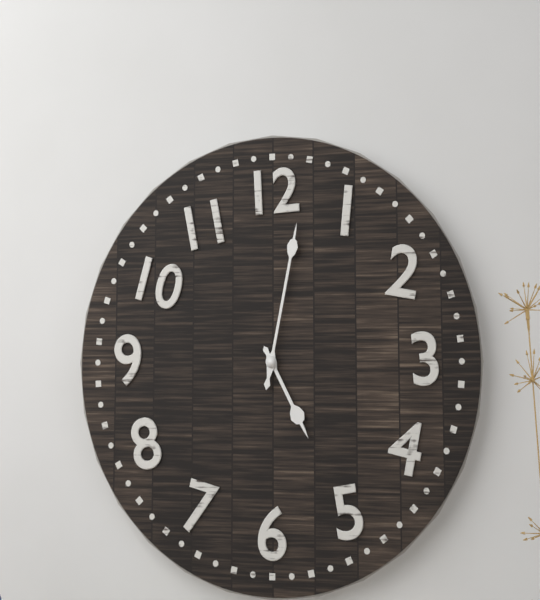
5:02
